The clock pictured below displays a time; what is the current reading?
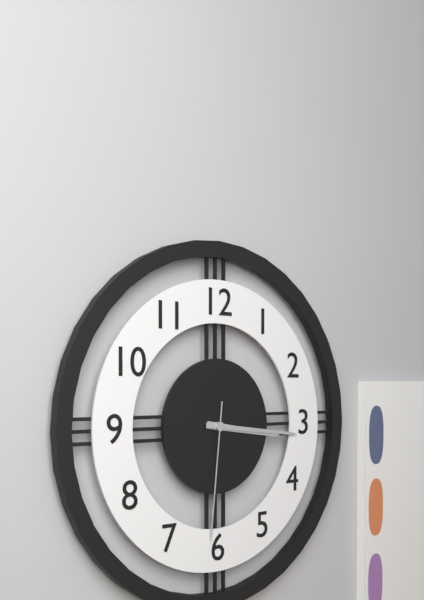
3:16:31
